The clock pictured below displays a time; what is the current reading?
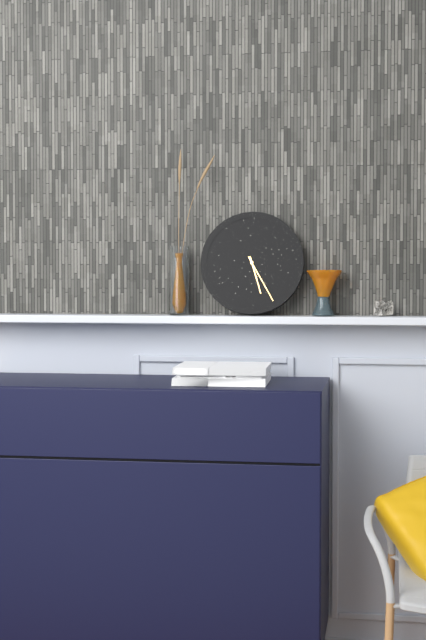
5:25
